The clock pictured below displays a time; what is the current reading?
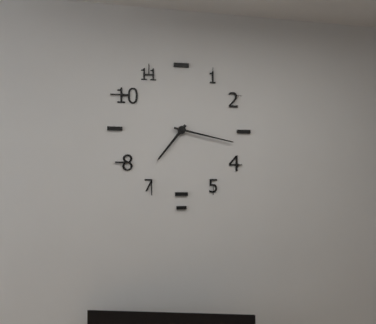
7:17
